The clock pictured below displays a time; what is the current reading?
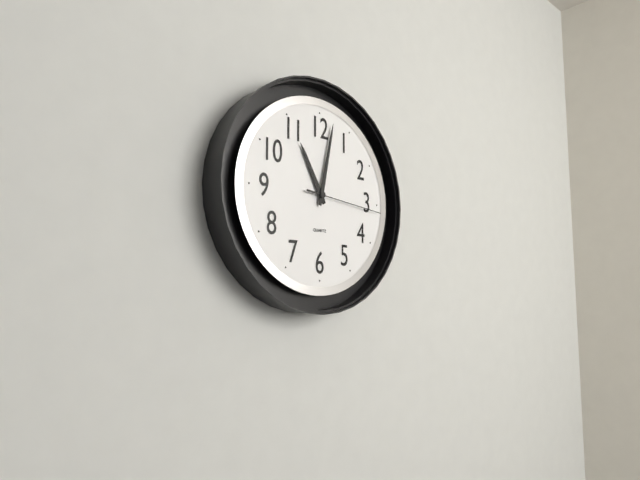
11:02:16
